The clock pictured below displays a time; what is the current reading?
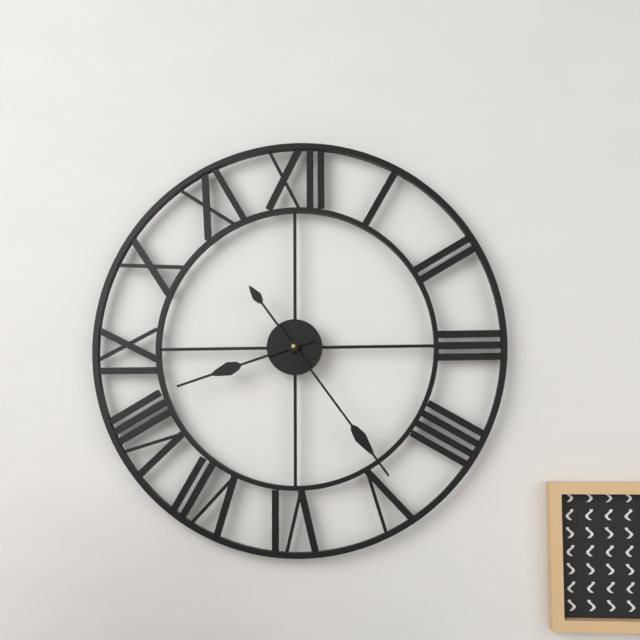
8:24
